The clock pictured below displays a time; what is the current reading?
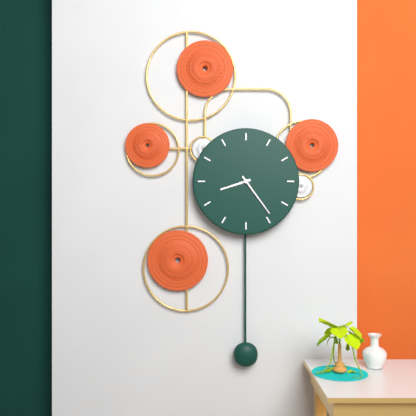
8:24
